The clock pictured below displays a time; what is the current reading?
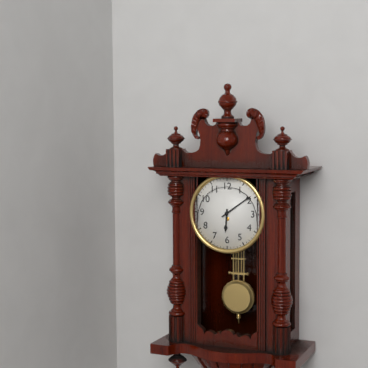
6:09
